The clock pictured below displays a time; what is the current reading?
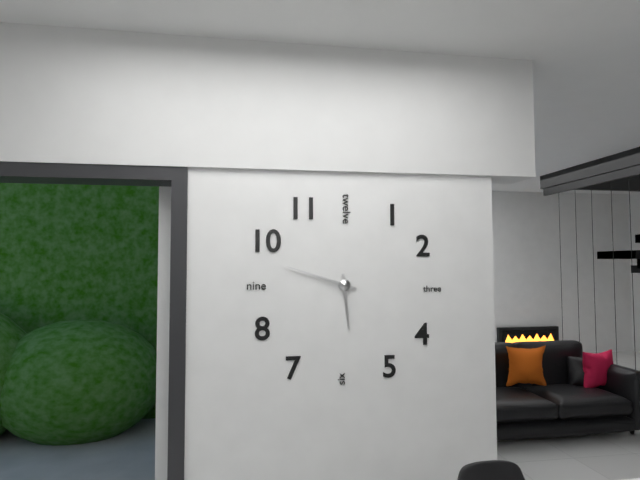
5:48
